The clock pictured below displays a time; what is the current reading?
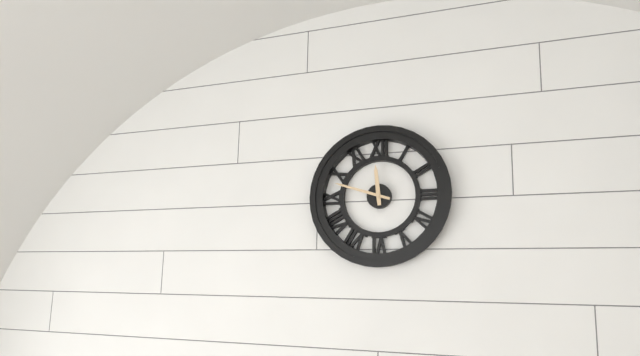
11:48
